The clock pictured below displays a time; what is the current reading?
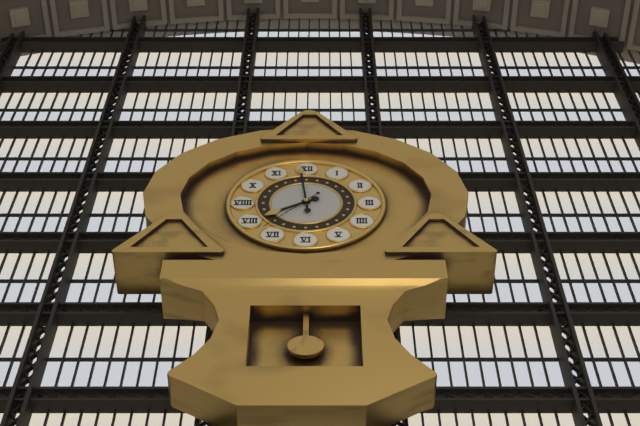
7:59:37
